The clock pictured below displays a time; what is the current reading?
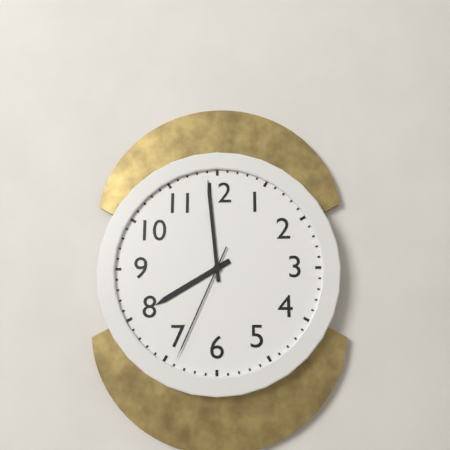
7:59:34
